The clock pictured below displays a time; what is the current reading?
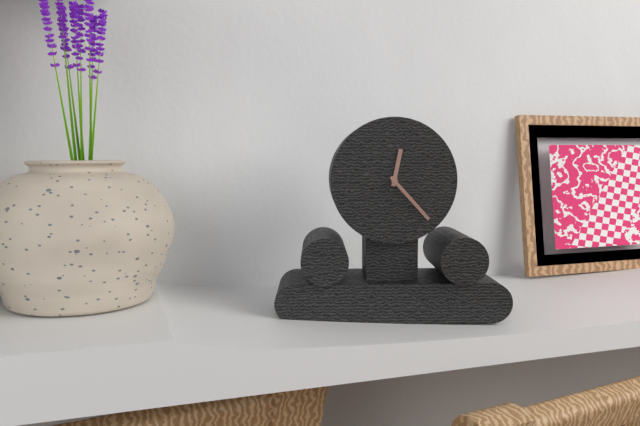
12:23
